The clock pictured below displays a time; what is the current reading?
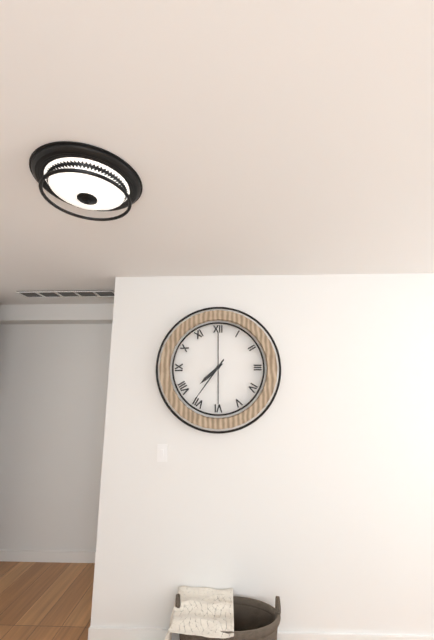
7:36
